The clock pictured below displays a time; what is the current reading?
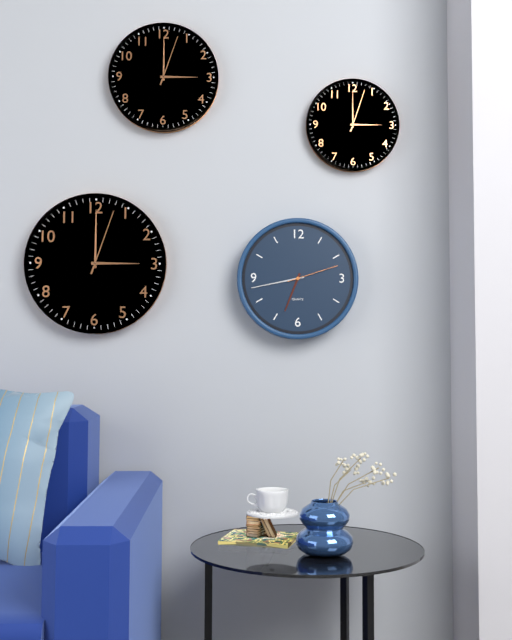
6:43:12
